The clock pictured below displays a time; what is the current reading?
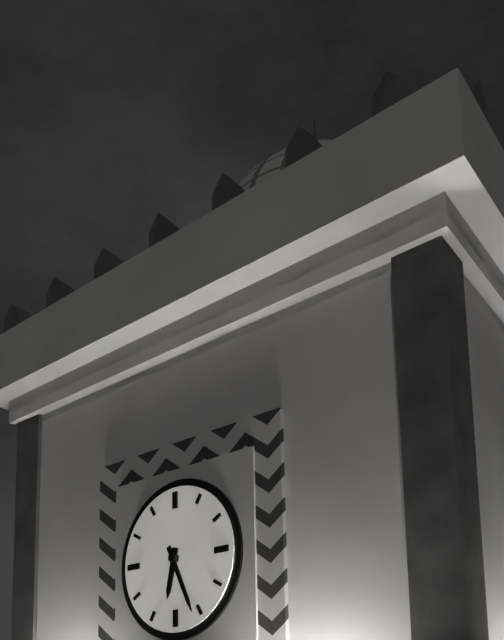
6:26
